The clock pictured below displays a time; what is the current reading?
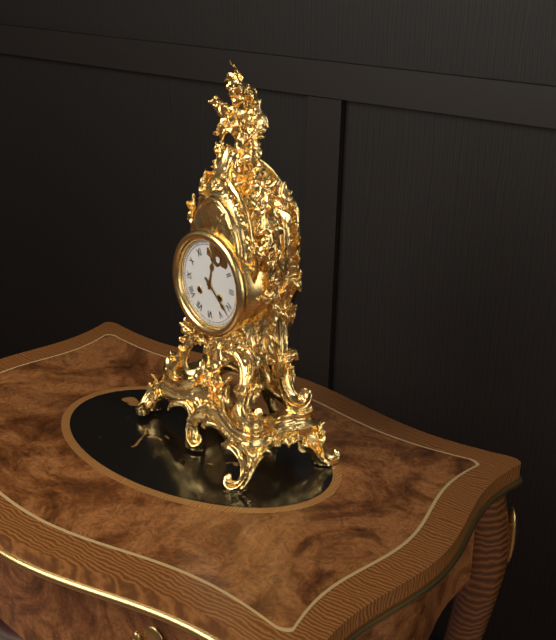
12:22
